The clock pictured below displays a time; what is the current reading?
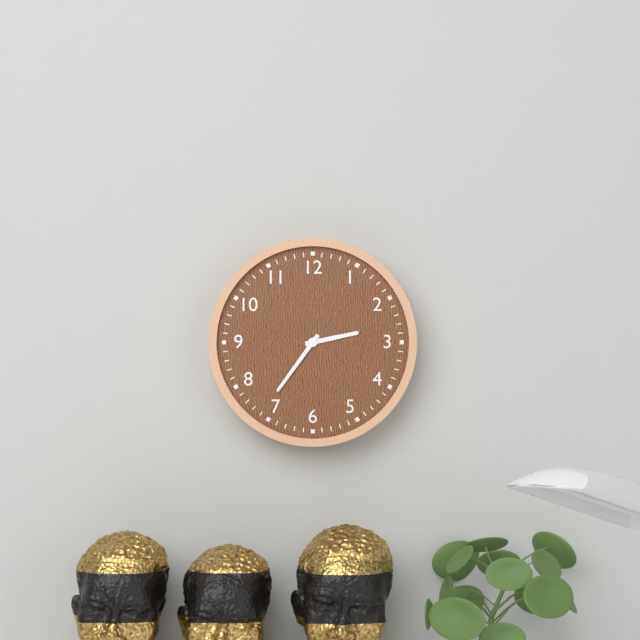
2:36
